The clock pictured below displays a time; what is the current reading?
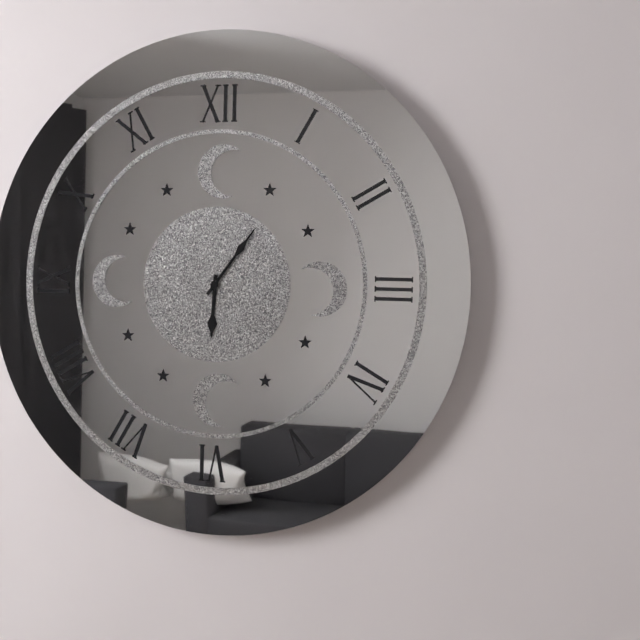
6:06
